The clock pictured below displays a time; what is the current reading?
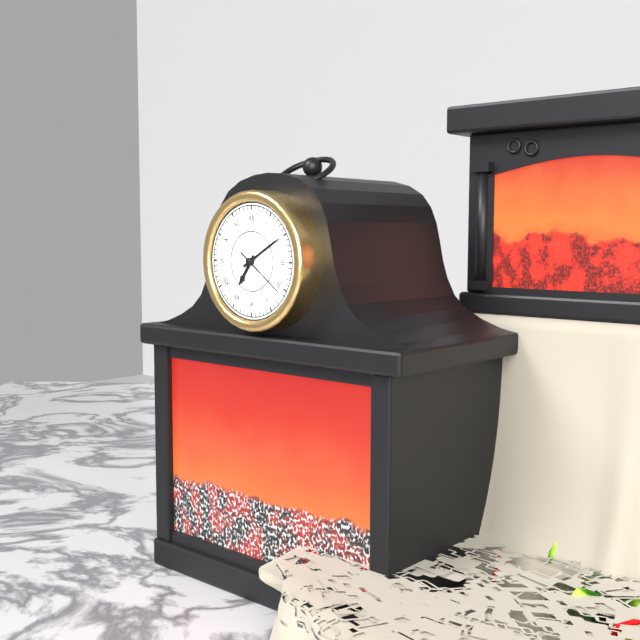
7:10:21
